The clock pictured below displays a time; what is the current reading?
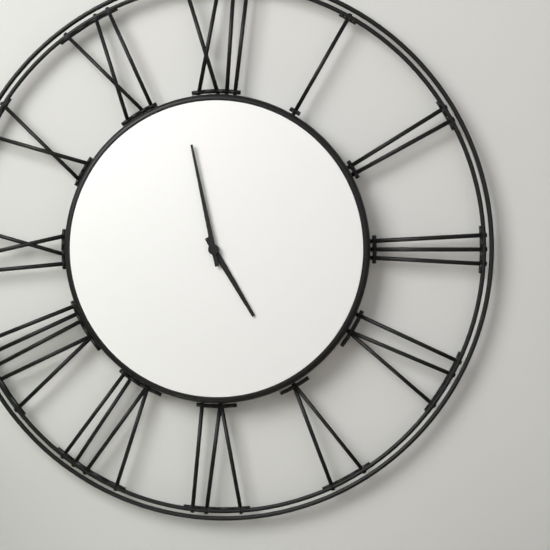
4:58
